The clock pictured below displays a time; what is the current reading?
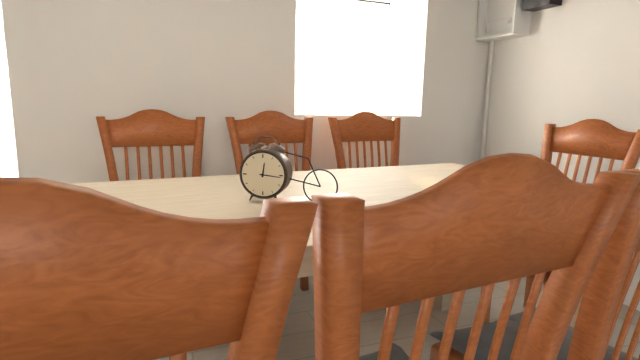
12:16
